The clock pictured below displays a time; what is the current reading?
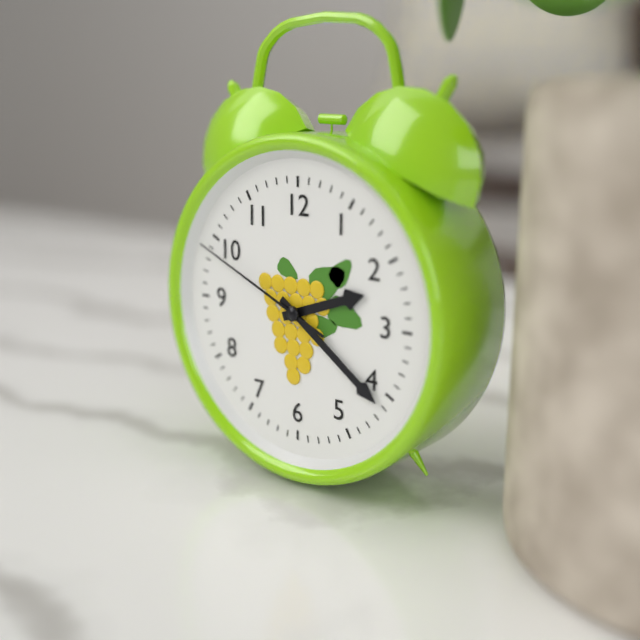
2:21:49
